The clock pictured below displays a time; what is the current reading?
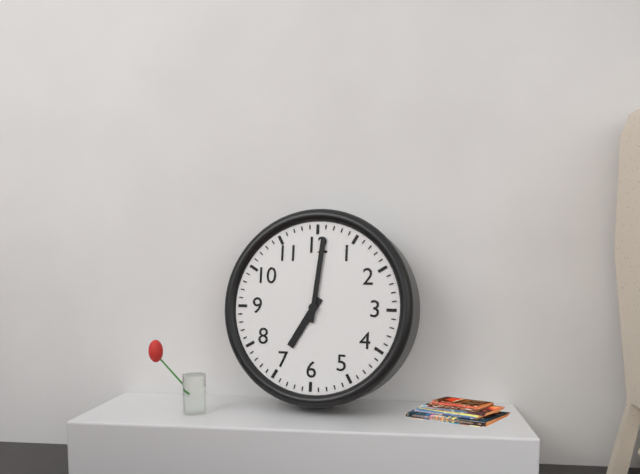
7:01
